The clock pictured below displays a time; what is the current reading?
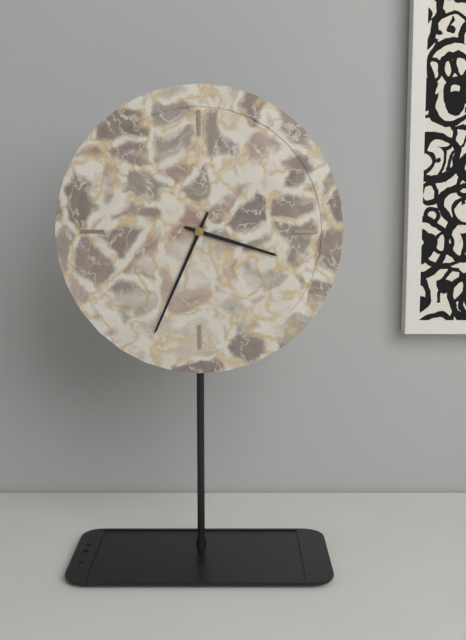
3:34
